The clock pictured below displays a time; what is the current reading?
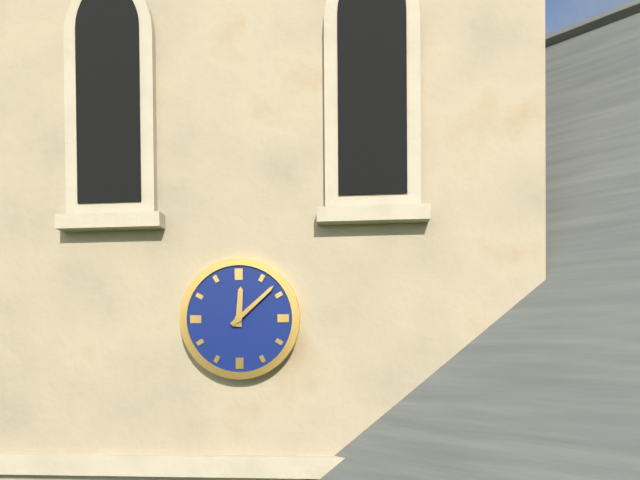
12:08
